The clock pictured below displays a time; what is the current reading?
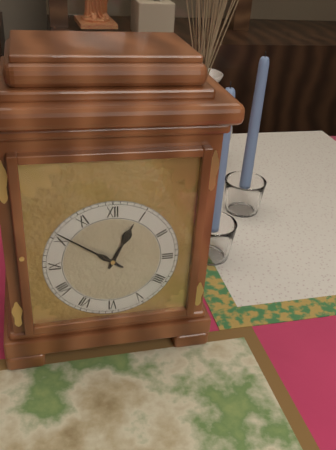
12:51
